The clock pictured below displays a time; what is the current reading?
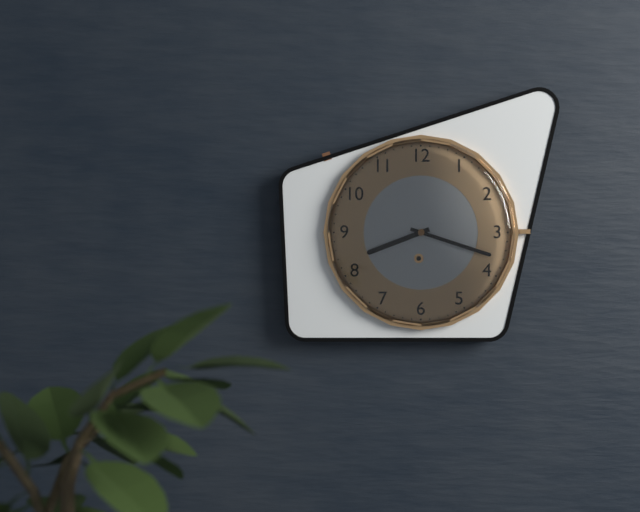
8:18
